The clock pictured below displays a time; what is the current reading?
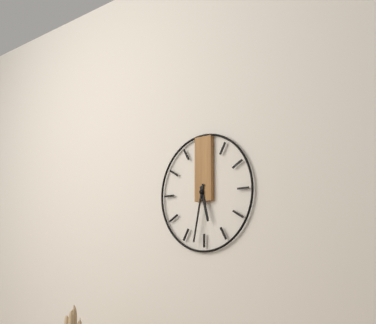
5:32
